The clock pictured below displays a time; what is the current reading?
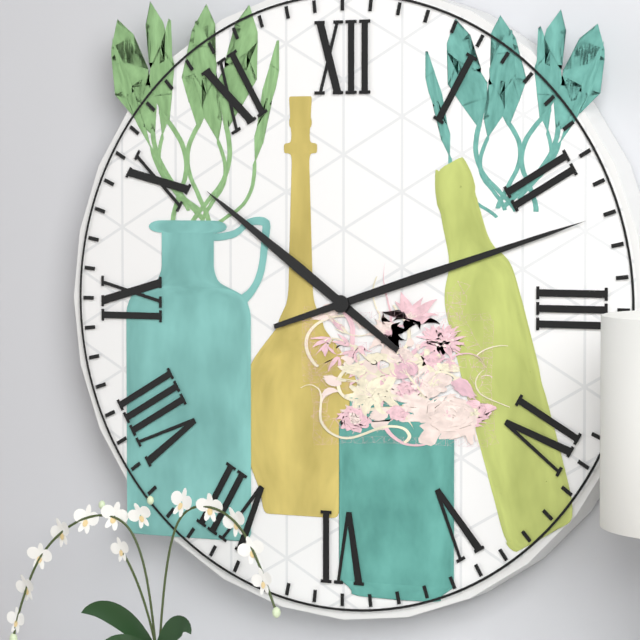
10:12
